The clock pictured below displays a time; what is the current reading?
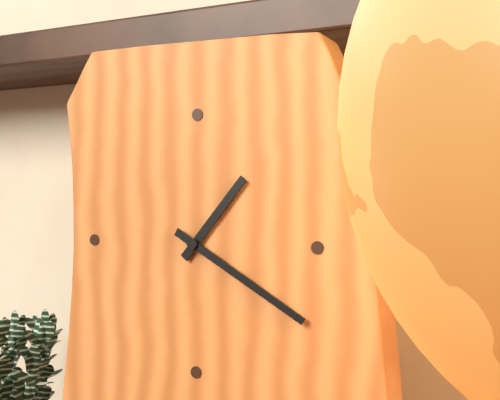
1:20
